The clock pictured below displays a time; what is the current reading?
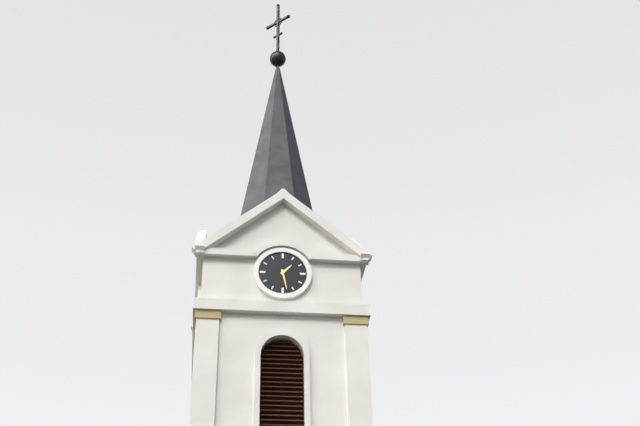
1:28
